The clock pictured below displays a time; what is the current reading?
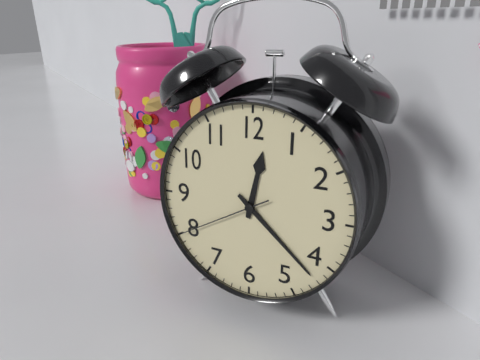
12:22:40
